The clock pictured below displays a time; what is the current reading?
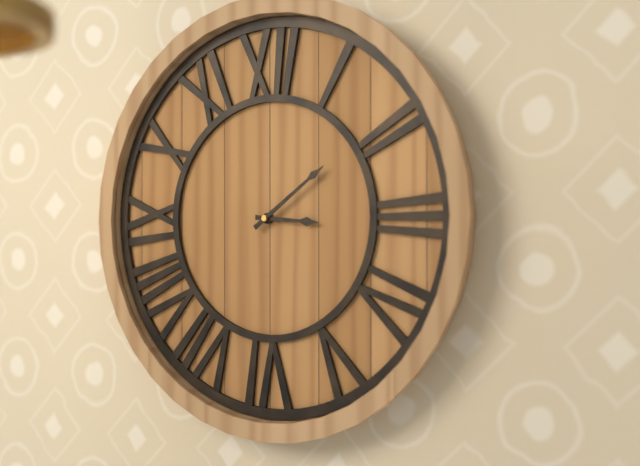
3:09
